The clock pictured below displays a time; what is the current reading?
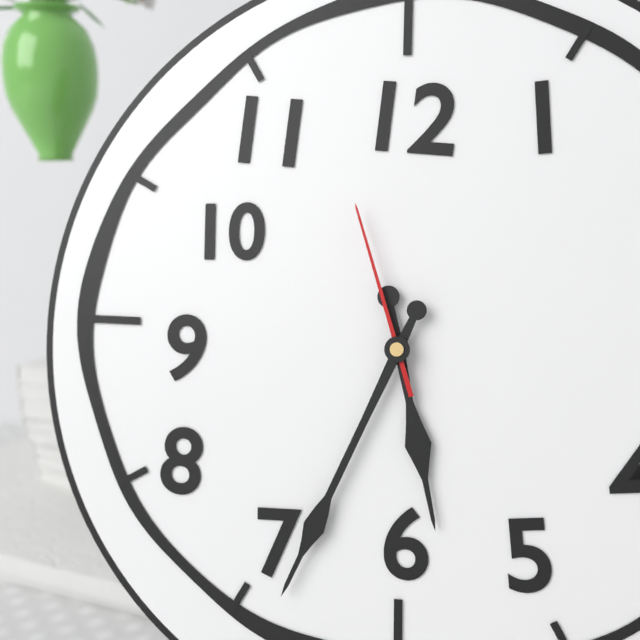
5:34:57
